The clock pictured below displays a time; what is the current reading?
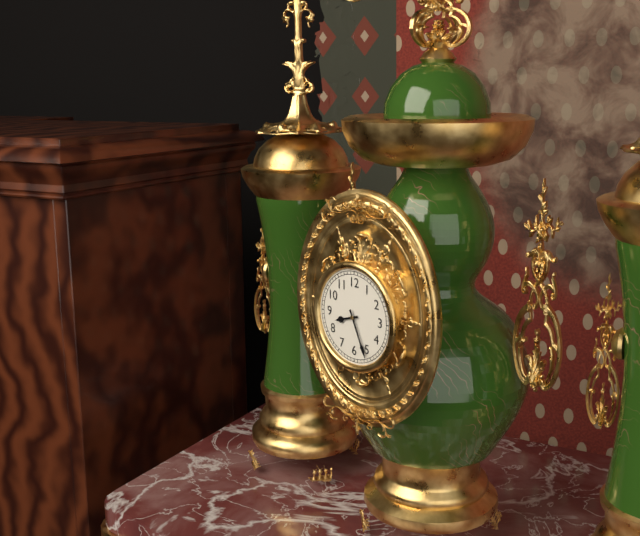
8:26
